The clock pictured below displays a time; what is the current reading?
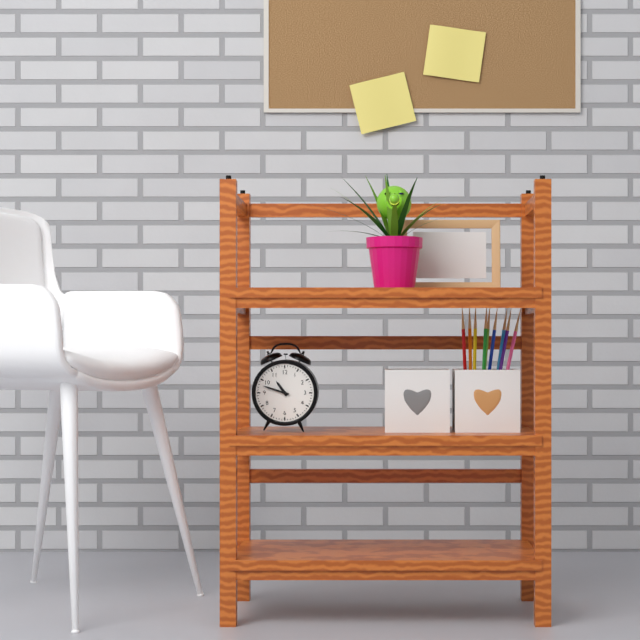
10:48
